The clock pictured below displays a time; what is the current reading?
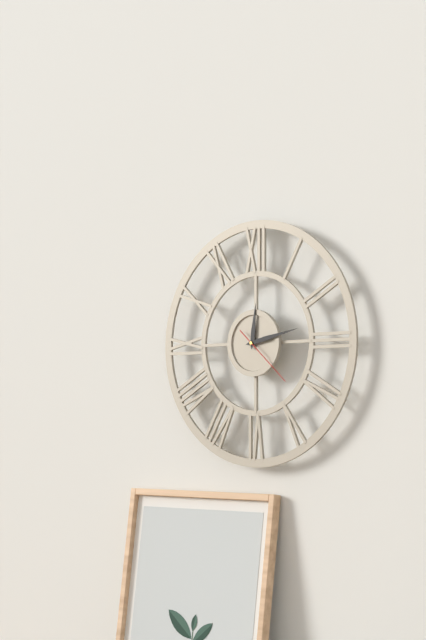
12:13:22
